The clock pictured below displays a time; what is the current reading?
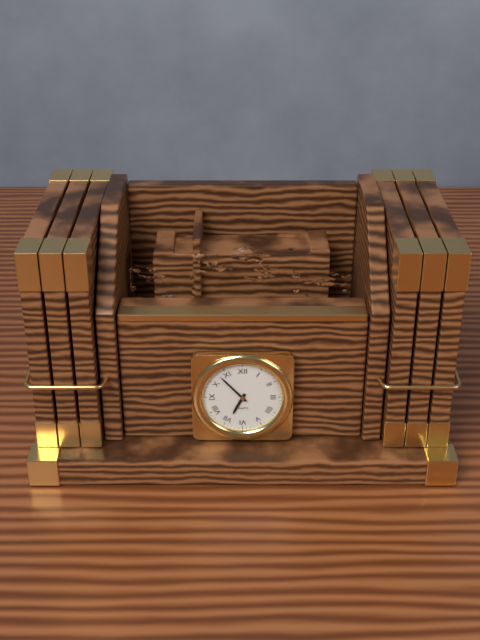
6:53
